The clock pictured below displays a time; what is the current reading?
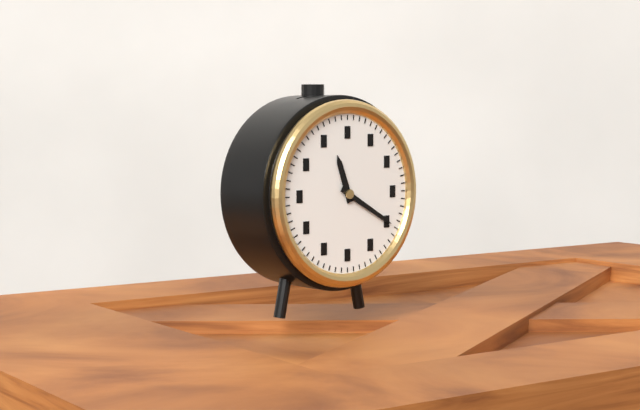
11:20
